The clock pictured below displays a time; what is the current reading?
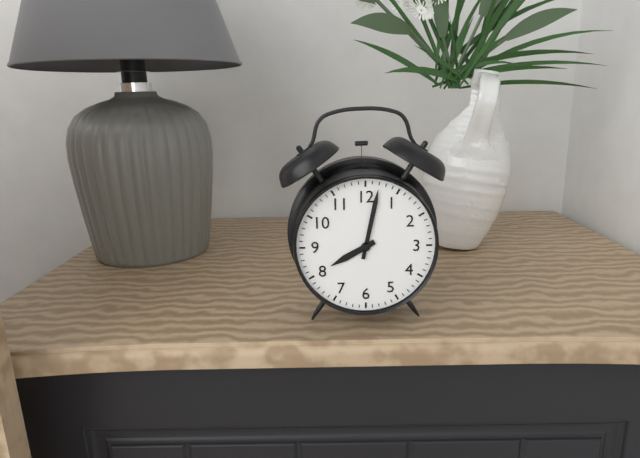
8:02
